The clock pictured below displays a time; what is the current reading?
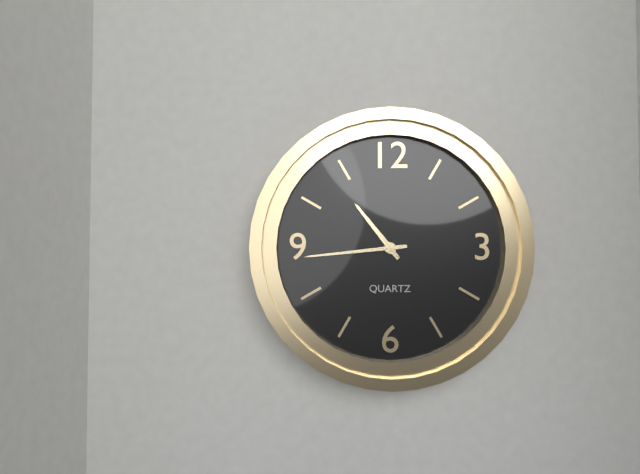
10:44
